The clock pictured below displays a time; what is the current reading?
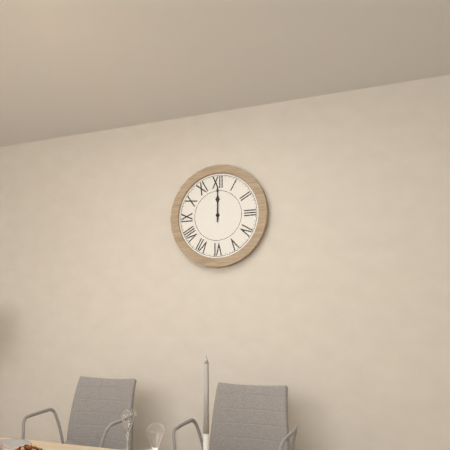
12:00
